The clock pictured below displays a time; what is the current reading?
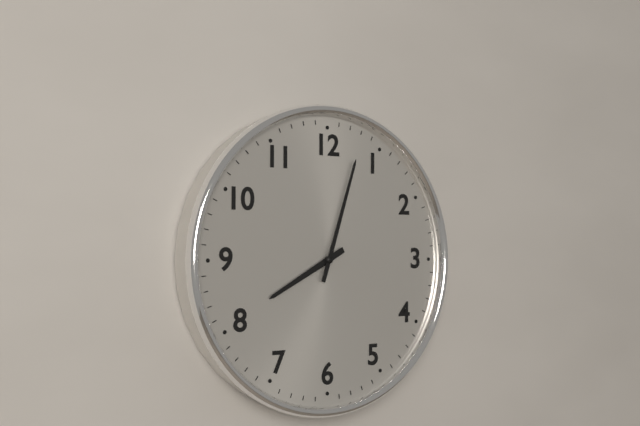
8:03
